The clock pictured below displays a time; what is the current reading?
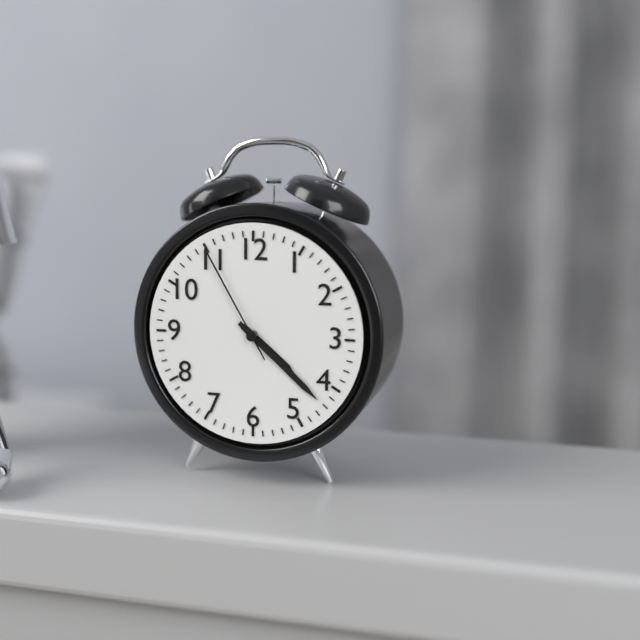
4:22:55
